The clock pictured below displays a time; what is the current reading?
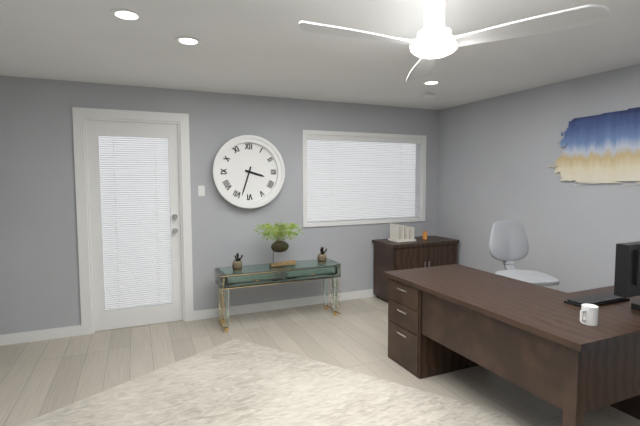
3:33
